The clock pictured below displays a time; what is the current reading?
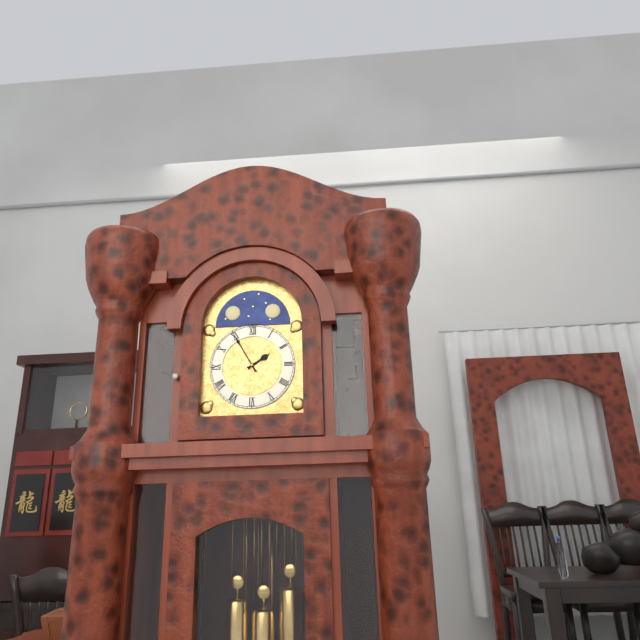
1:55
